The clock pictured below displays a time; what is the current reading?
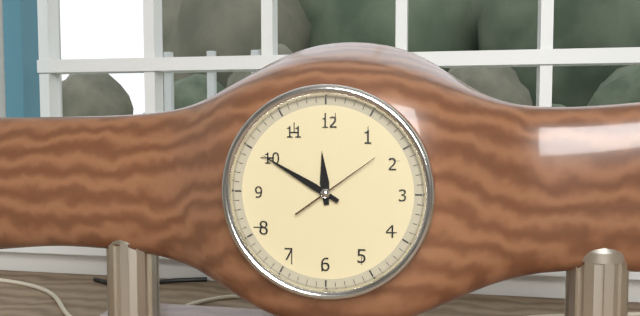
11:50:09
